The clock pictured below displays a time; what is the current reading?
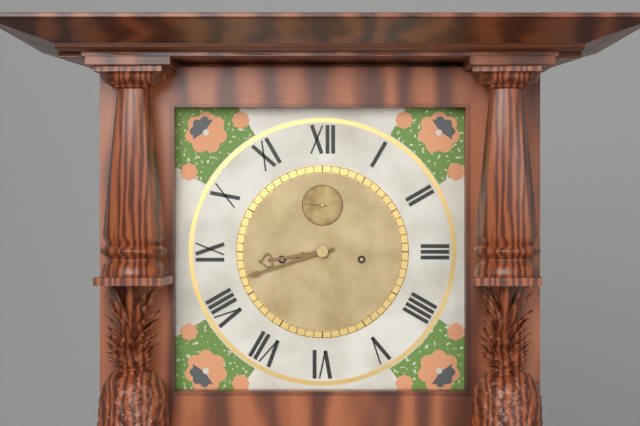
8:42
